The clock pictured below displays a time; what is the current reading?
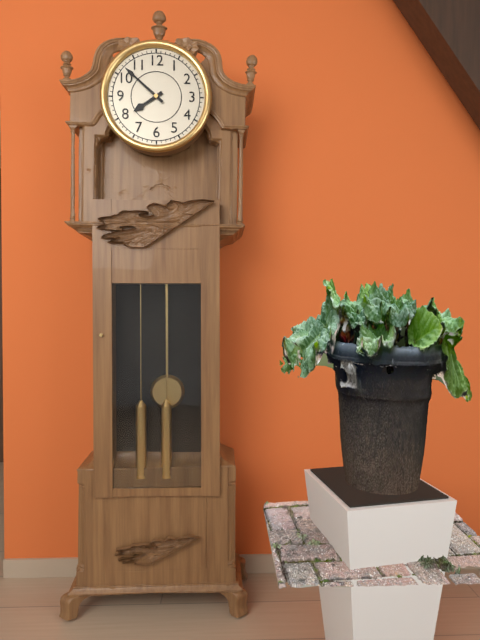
7:52
